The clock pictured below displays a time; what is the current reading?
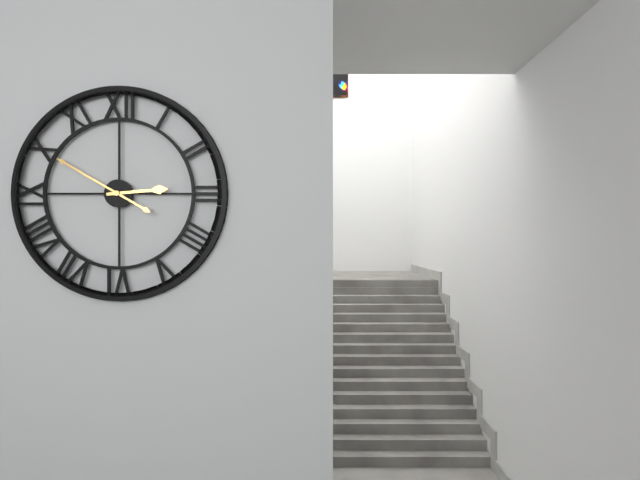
2:50
